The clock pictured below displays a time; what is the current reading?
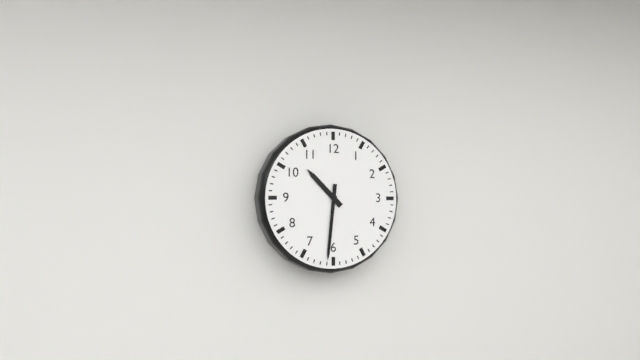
10:31
